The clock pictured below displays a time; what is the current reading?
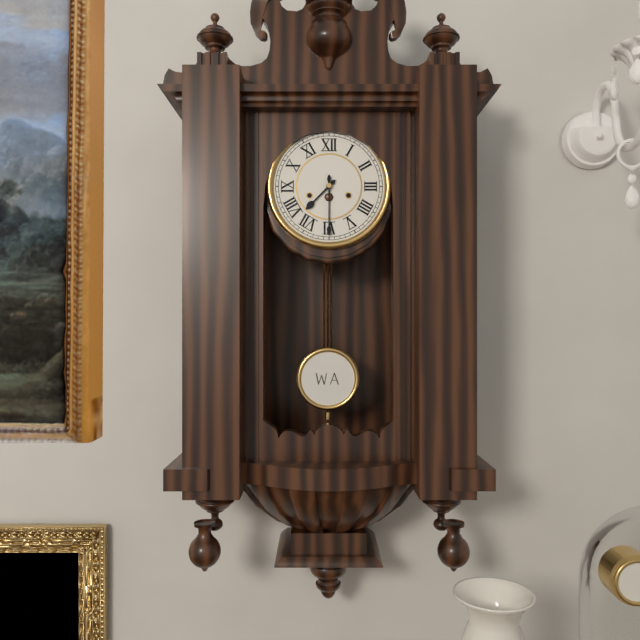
7:30
